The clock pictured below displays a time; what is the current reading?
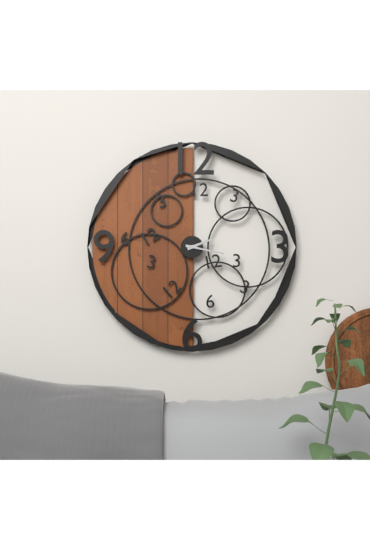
2:17
